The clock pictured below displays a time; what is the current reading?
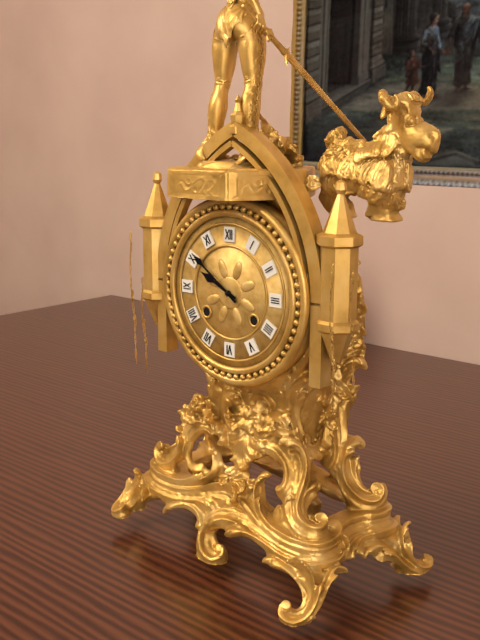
9:51
